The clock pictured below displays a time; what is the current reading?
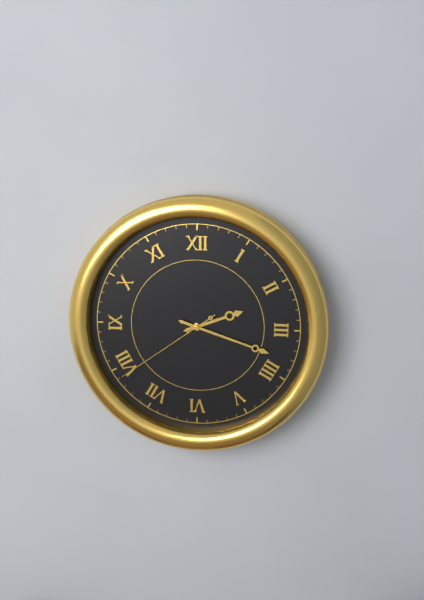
2:18:39
